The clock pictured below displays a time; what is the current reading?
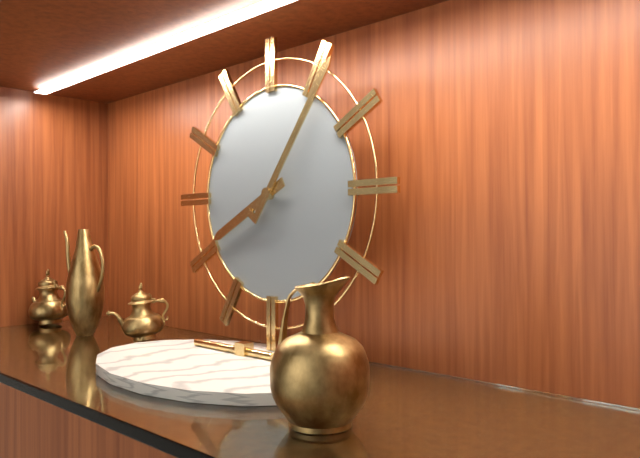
8:06
